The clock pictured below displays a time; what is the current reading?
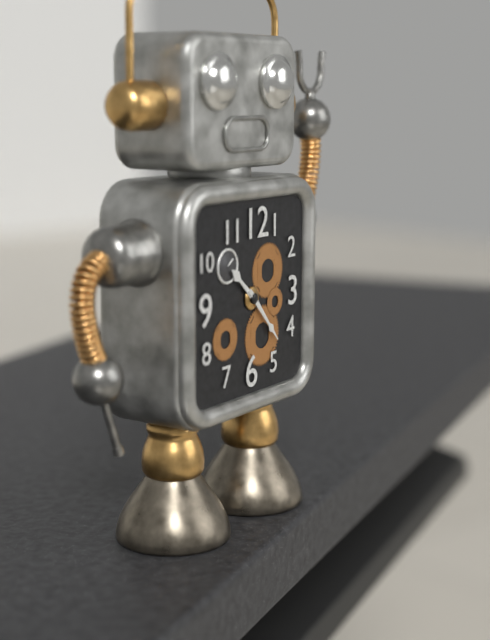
10:23
